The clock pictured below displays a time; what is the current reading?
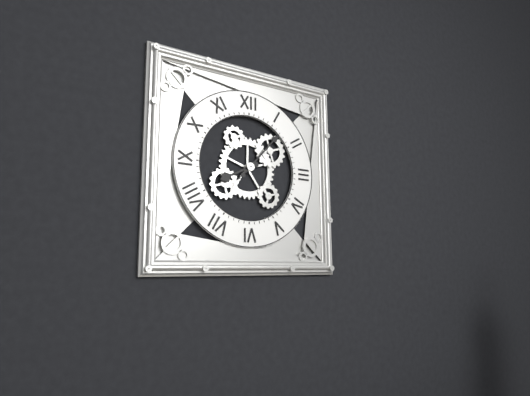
8:07
